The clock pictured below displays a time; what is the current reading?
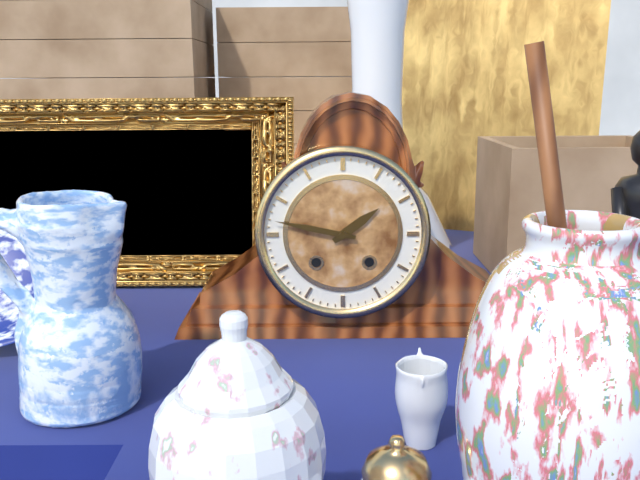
1:47
